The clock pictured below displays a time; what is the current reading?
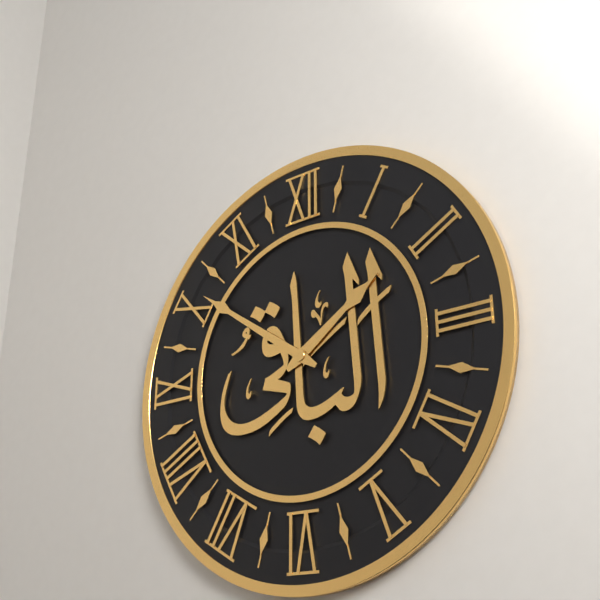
1:51
